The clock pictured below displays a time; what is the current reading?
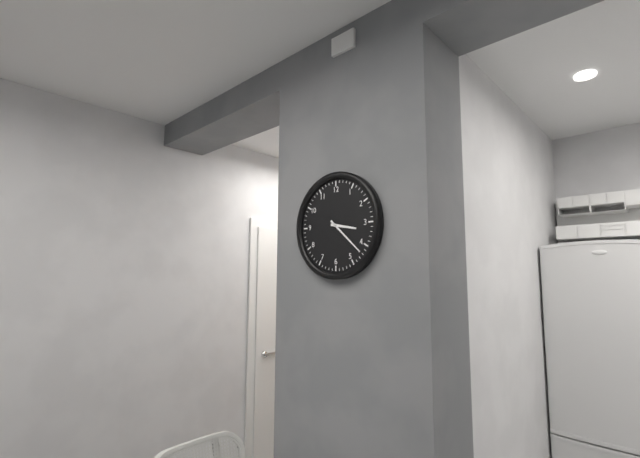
3:22
